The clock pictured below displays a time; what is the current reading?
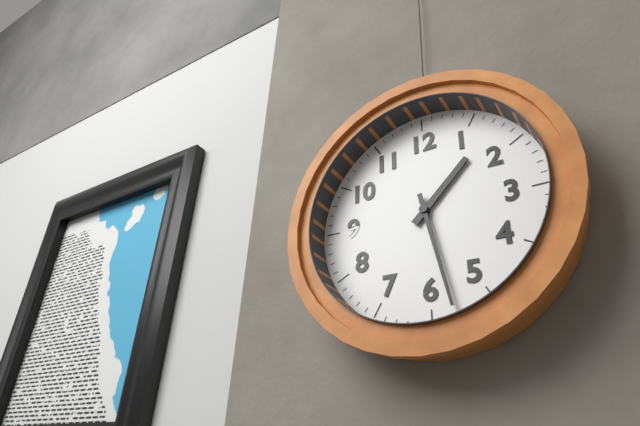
1:28
